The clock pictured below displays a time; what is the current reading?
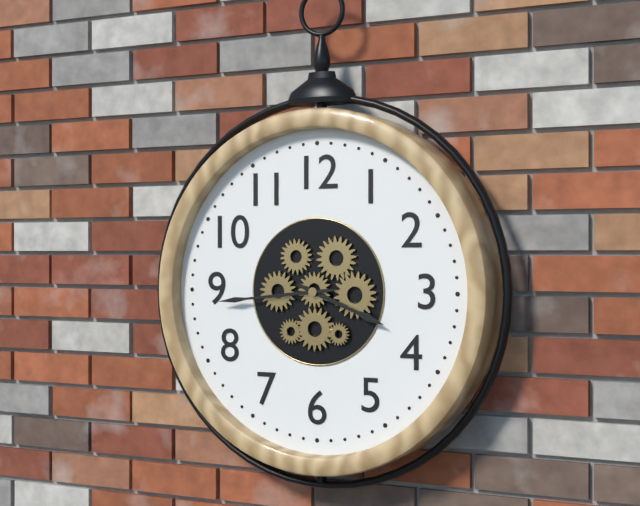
3:44
